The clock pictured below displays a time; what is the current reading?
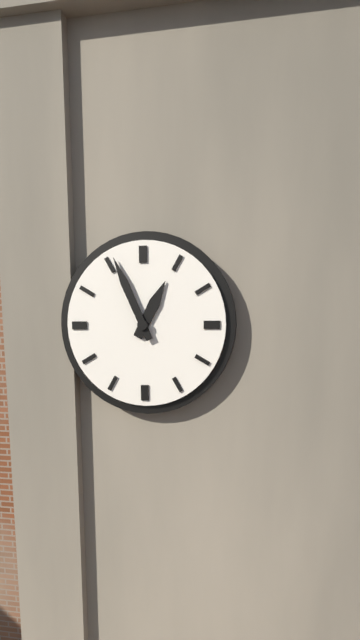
12:56
